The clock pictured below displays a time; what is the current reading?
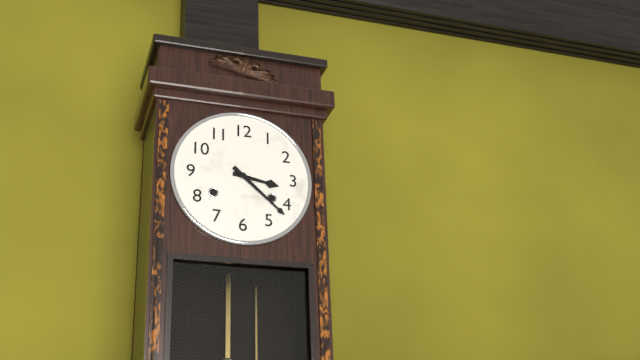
3:22
